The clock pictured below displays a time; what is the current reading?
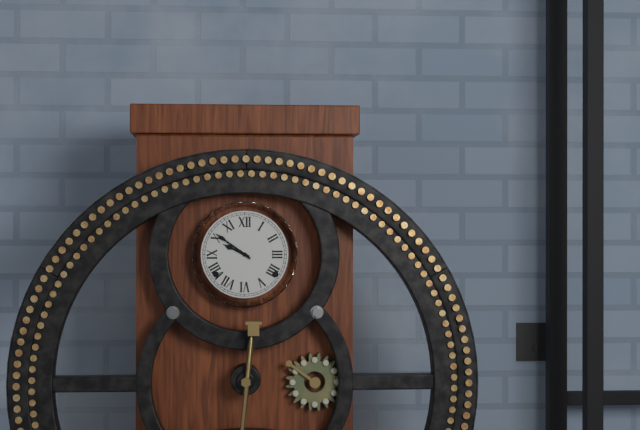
9:51
